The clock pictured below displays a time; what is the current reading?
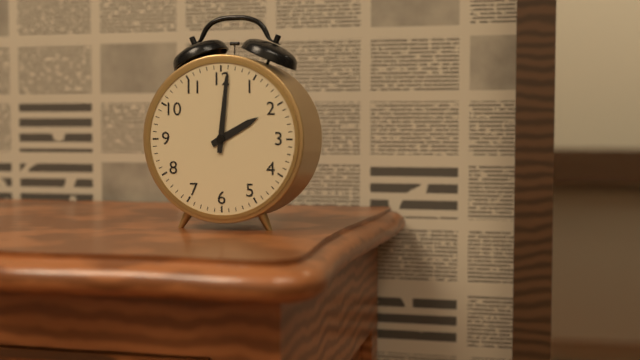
2:01
